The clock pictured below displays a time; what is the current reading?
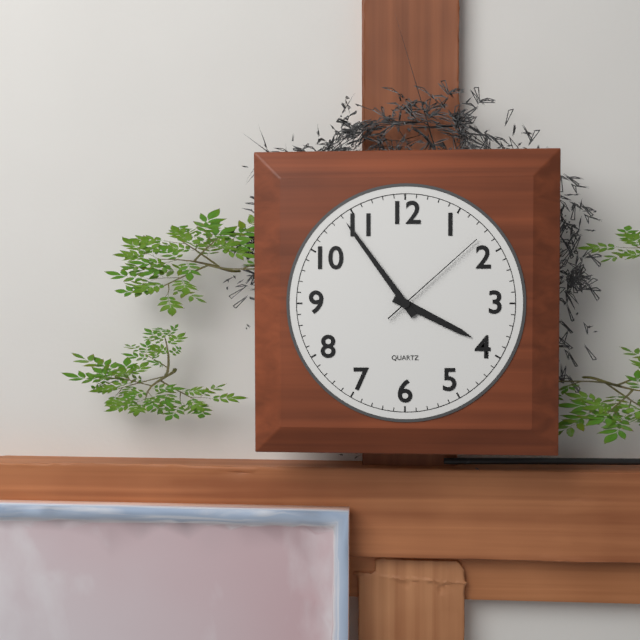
3:54:08
